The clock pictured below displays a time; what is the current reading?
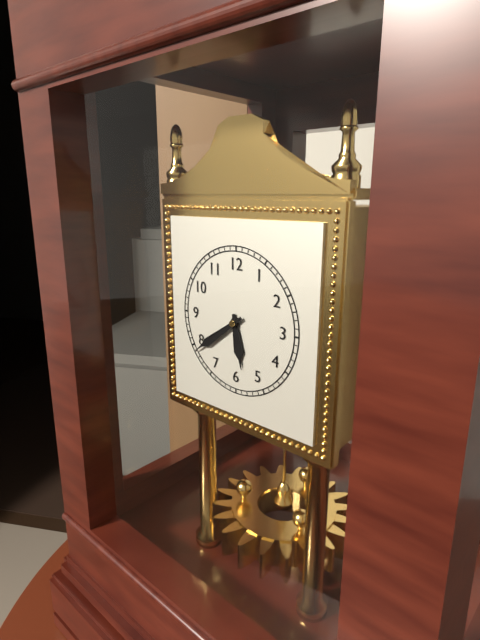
5:39
